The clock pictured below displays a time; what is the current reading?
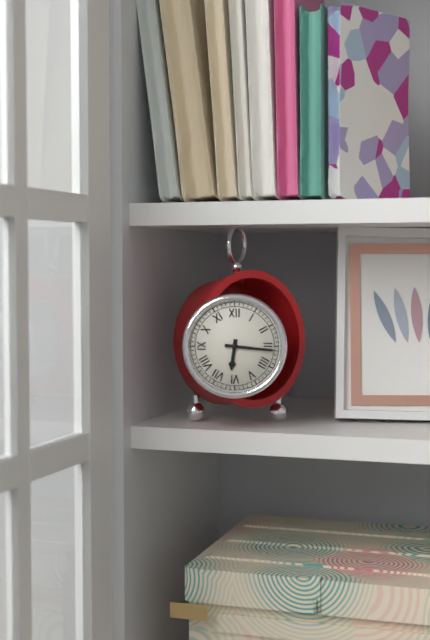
6:16
